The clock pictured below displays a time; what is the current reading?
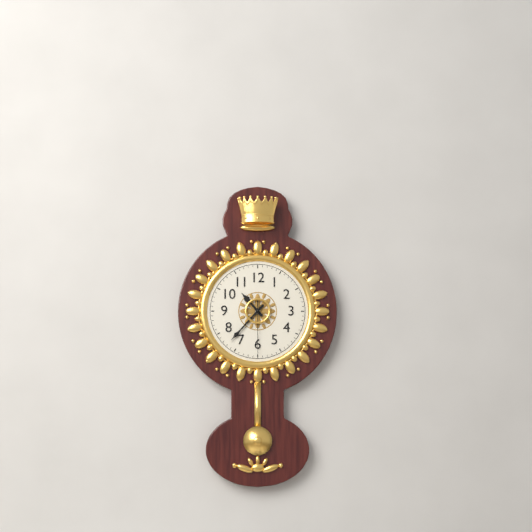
10:37:30
